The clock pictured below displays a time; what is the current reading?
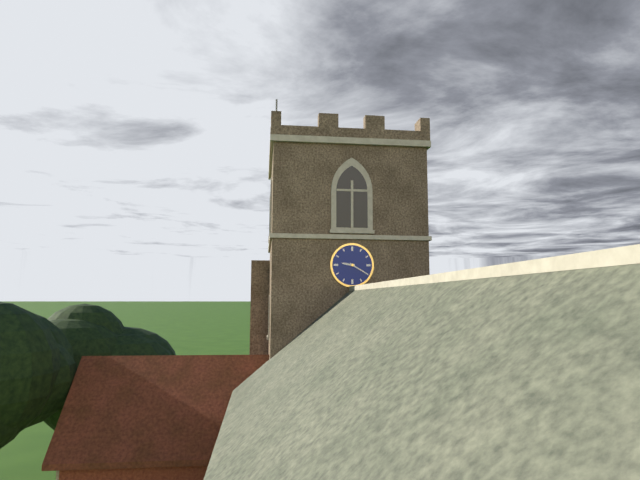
9:20
